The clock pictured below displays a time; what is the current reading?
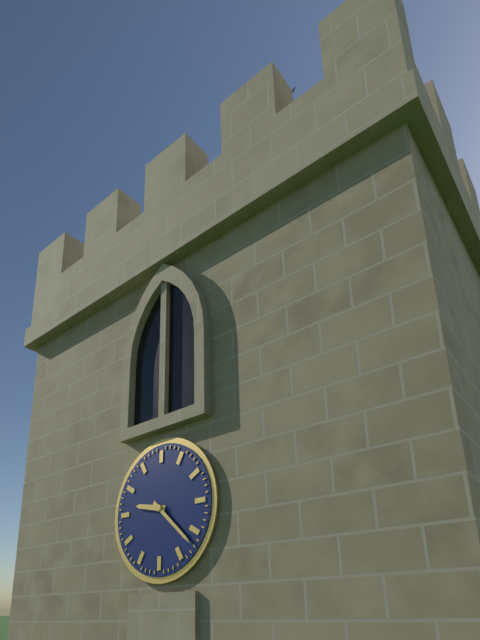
9:22
